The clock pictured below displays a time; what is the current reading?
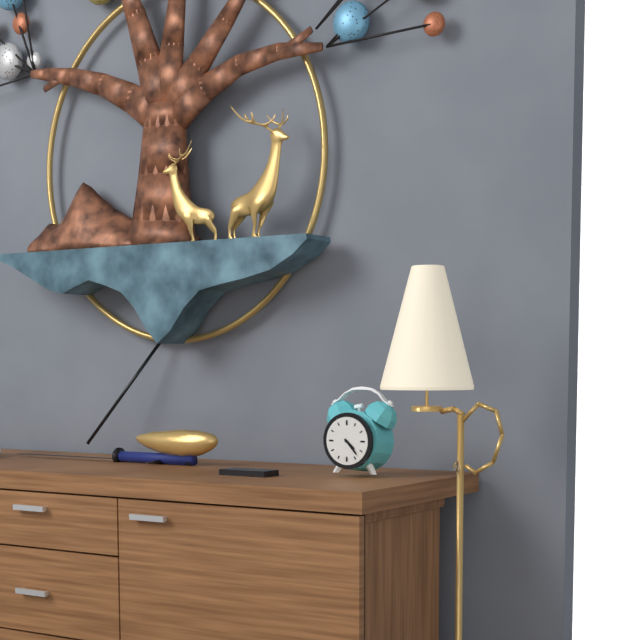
4:23
